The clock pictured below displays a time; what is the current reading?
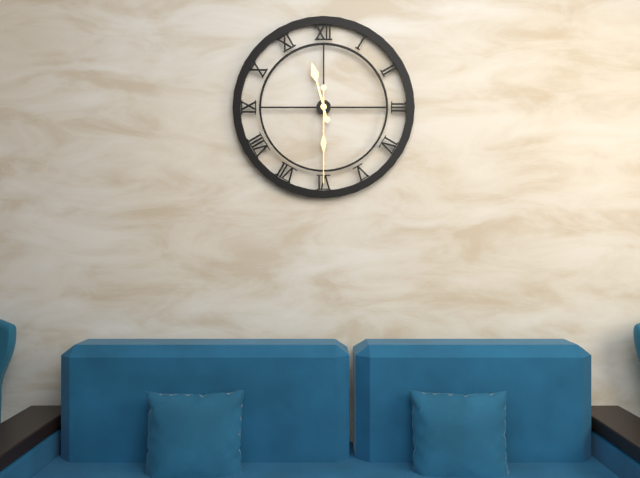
11:30
